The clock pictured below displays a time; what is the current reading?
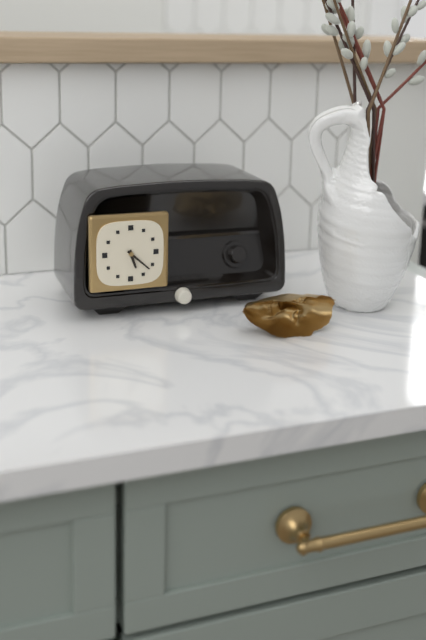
5:22
